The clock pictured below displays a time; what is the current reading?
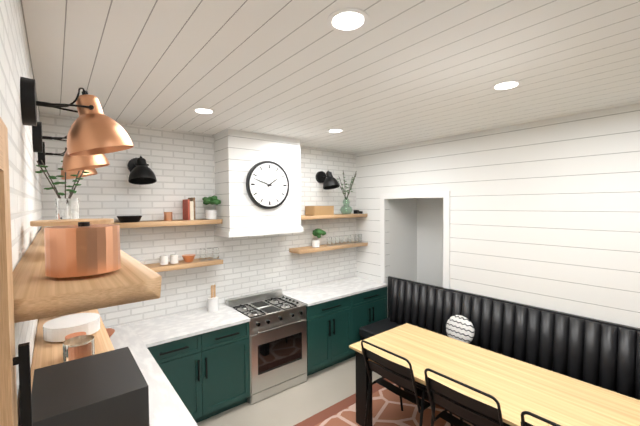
1:48
